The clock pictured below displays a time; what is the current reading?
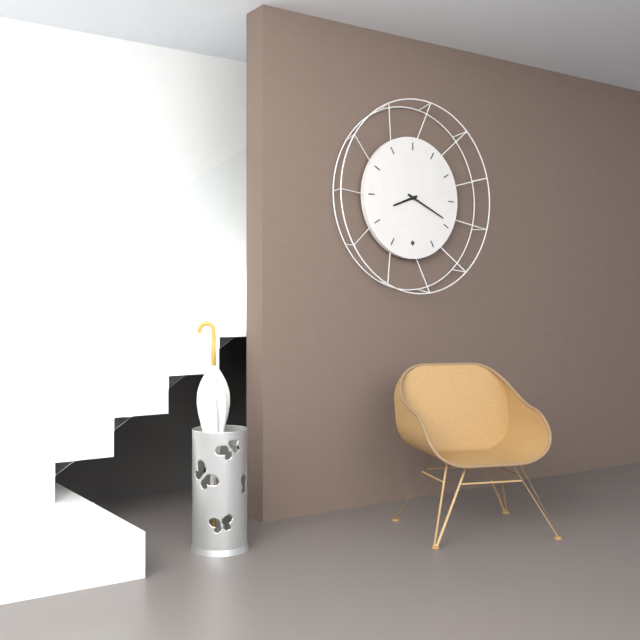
8:19
